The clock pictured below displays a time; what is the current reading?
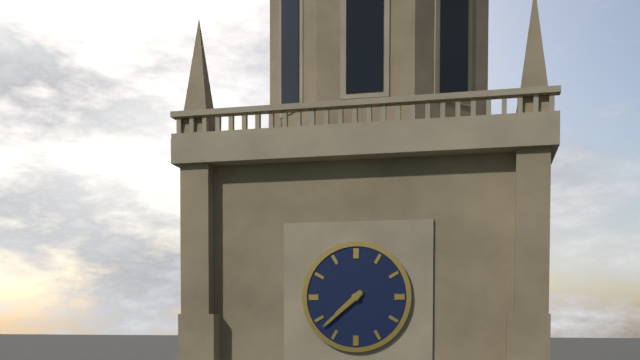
7:38
